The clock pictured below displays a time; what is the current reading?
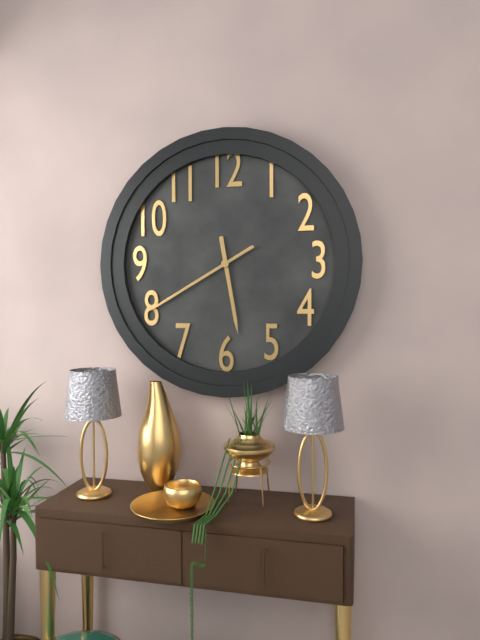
5:40
